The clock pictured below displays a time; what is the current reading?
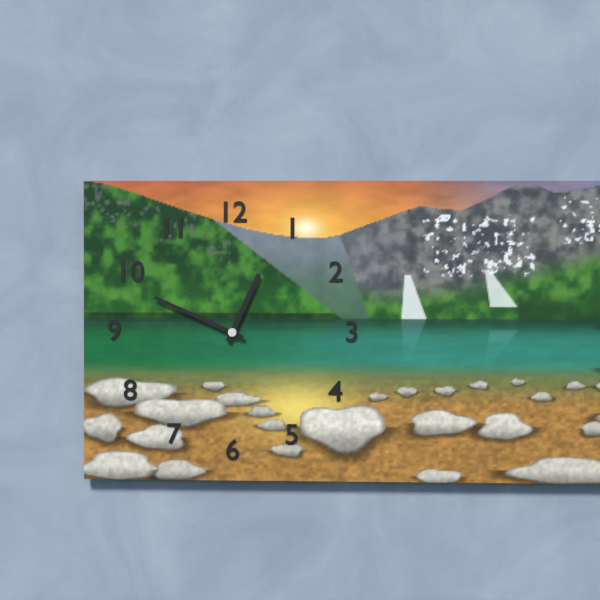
12:49
